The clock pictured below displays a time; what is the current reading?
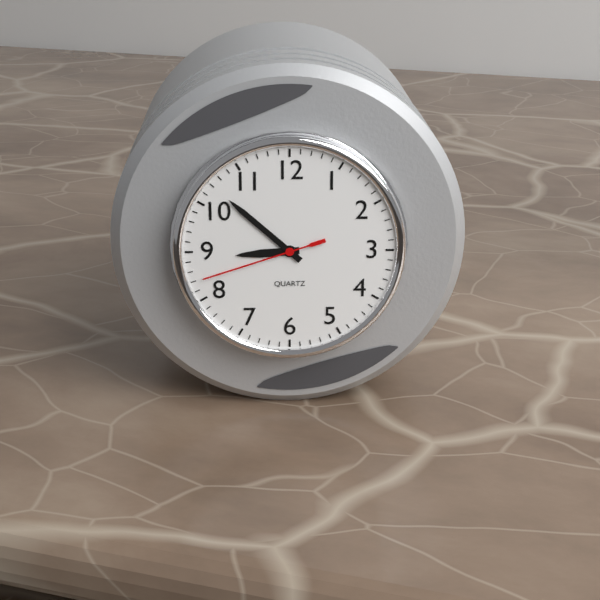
8:52:42
